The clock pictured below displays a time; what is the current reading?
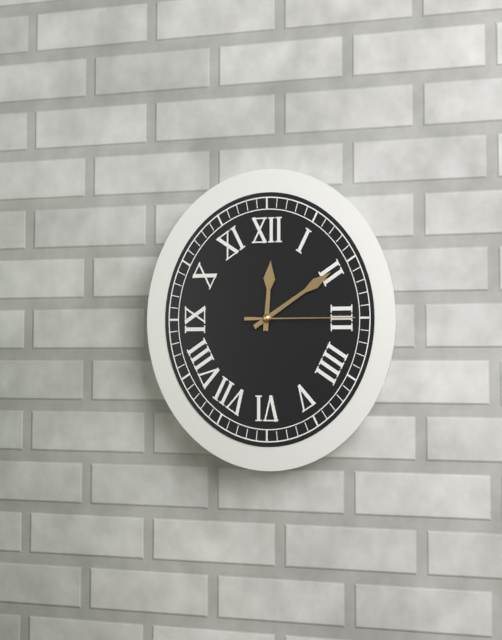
12:10:15
